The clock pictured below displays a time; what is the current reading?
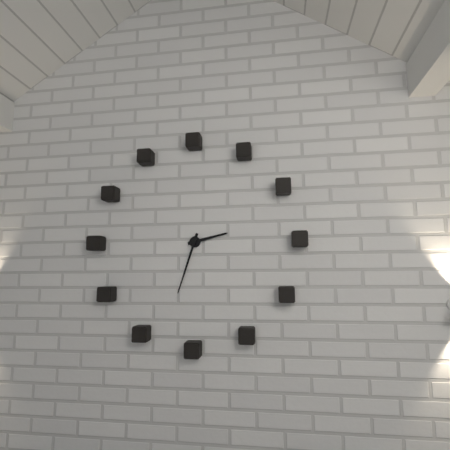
2:33
